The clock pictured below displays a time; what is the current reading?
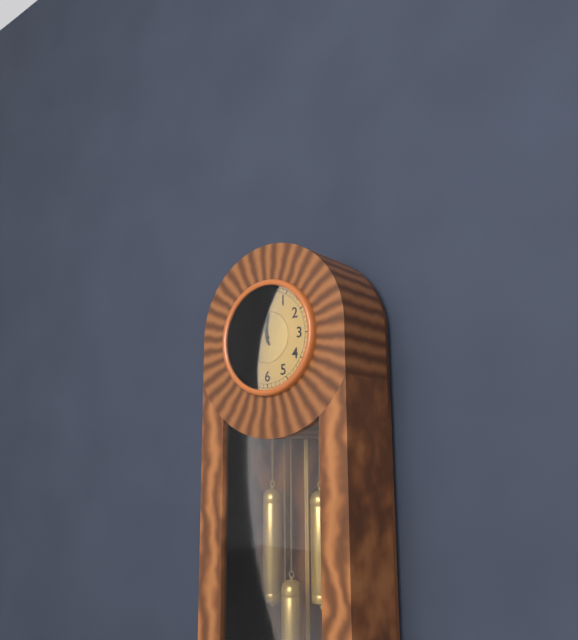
11:57
